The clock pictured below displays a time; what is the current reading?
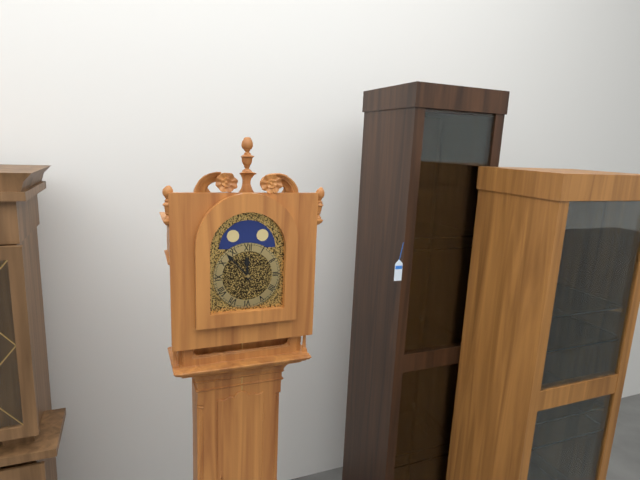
11:53
